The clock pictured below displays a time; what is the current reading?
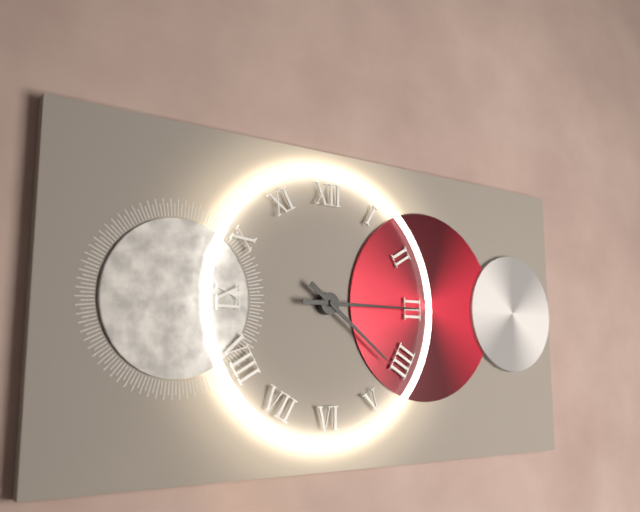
4:15
